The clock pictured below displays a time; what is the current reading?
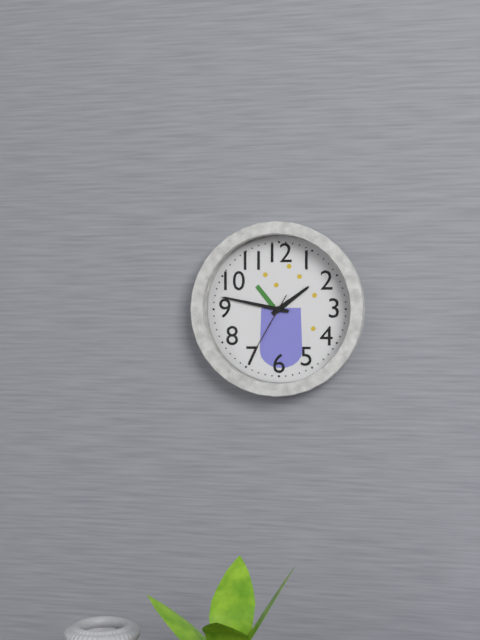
1:47:35
